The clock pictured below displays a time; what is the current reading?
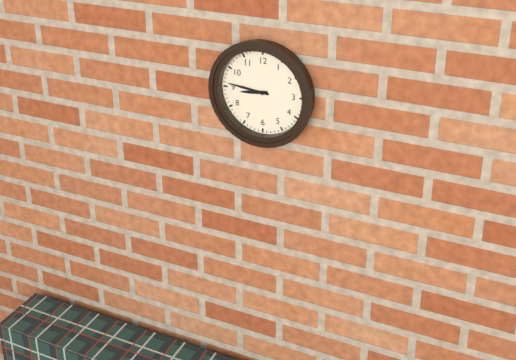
8:46
